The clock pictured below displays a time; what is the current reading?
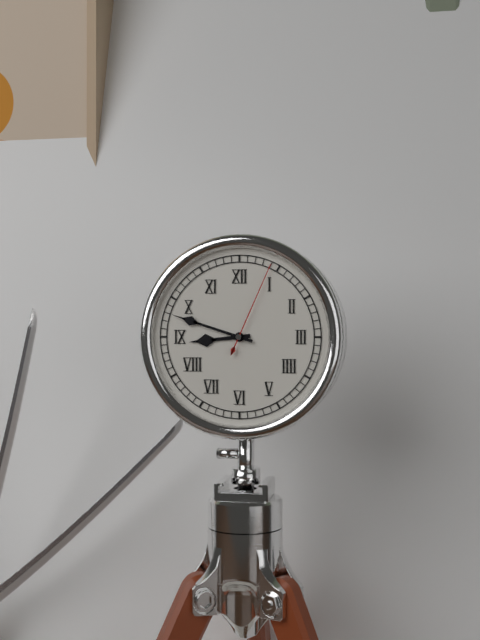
8:48:04
